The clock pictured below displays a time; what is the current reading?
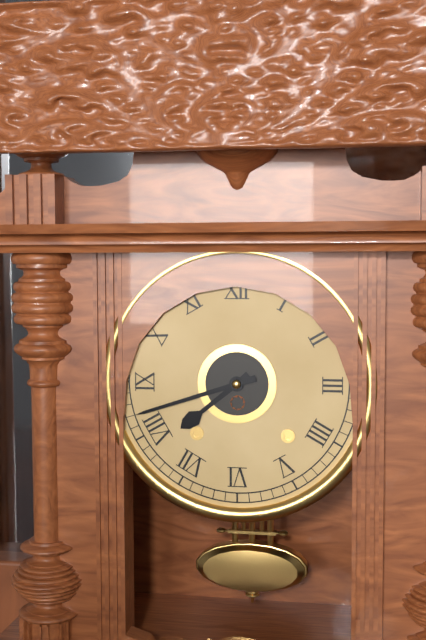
7:42
